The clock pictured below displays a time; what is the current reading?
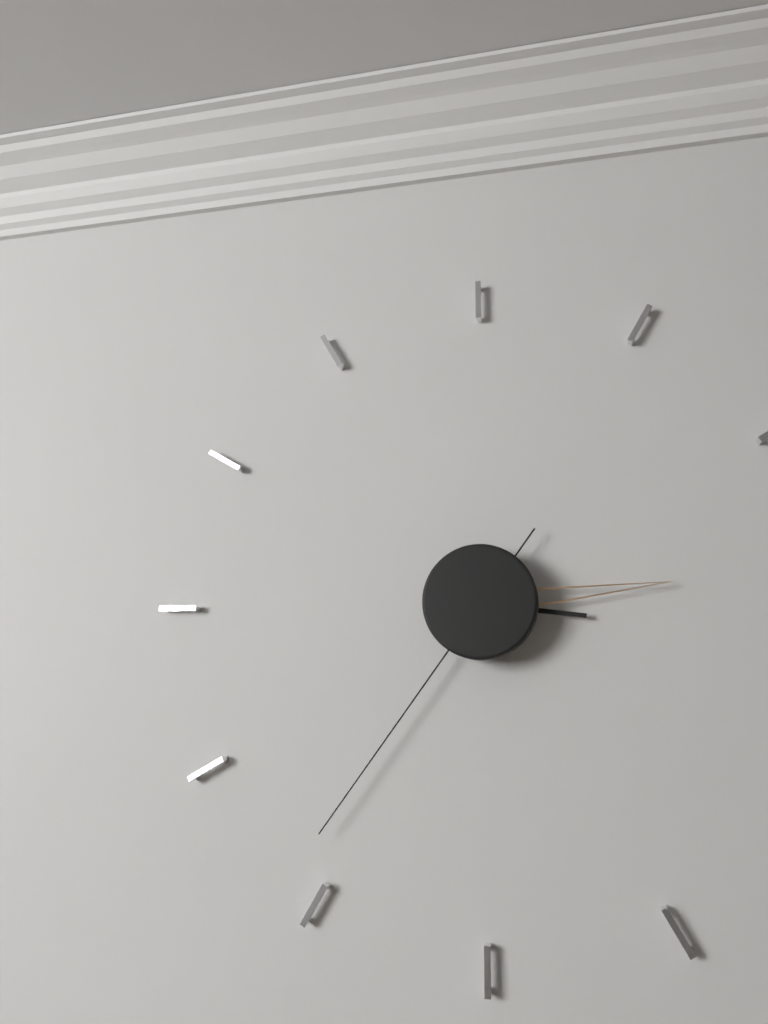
3:14:36
